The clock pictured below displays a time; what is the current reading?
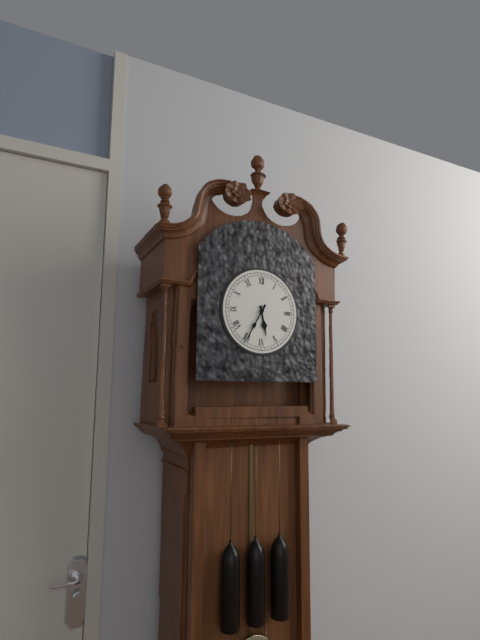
5:35
